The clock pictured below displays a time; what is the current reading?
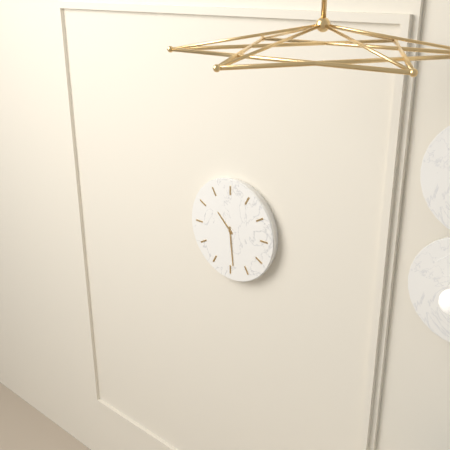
10:29
